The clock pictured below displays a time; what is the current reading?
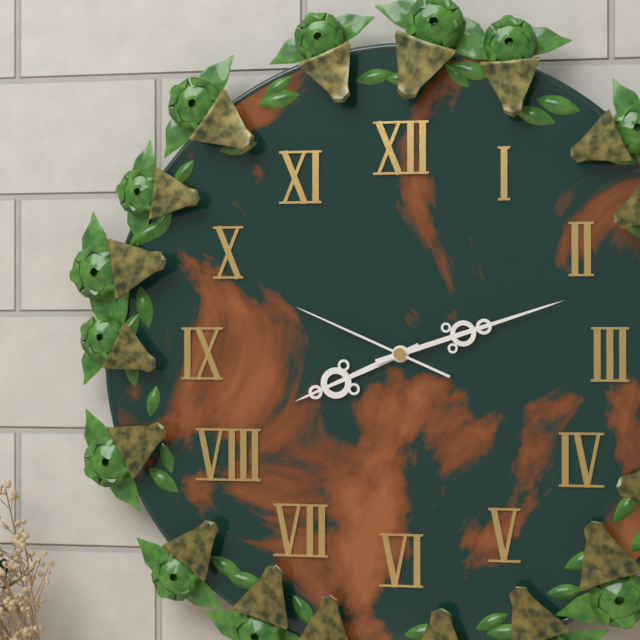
8:12:49
